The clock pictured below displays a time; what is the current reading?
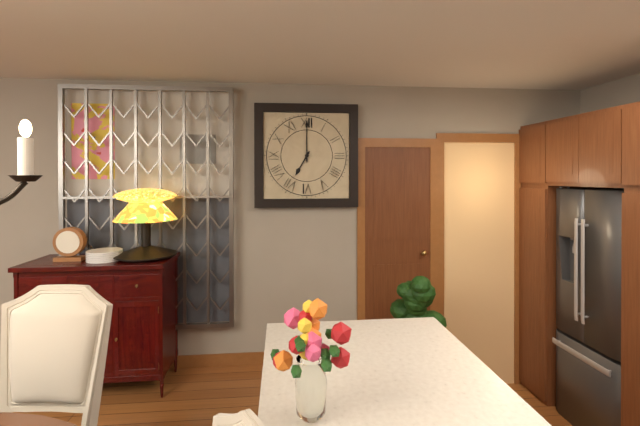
7:00
